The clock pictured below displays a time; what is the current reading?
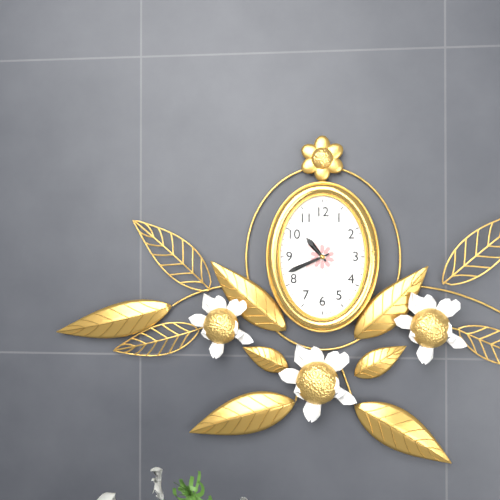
10:41
